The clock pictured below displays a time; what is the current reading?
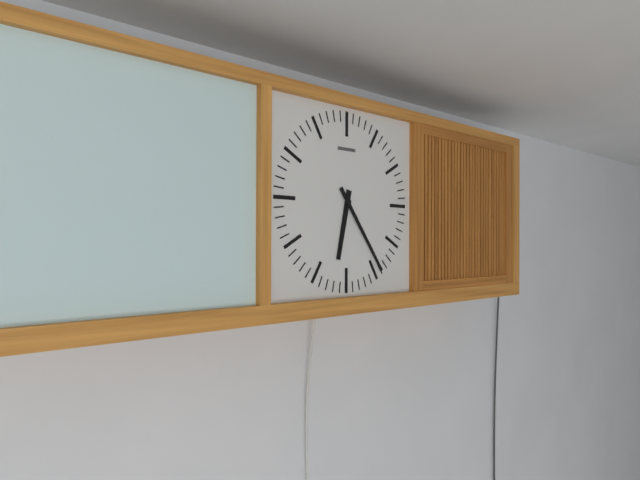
6:24
